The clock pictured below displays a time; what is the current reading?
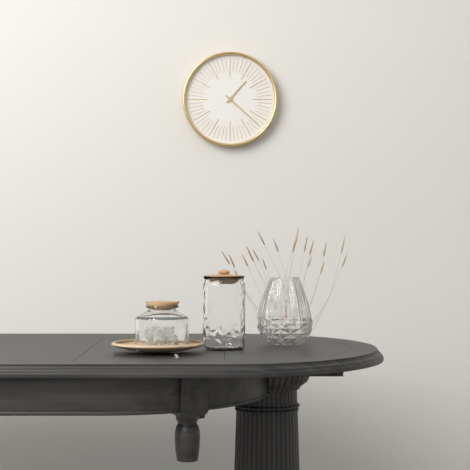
1:22
